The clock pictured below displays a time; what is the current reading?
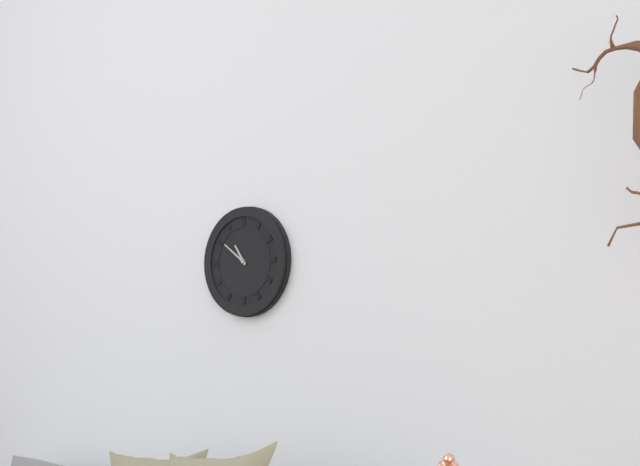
10:51
